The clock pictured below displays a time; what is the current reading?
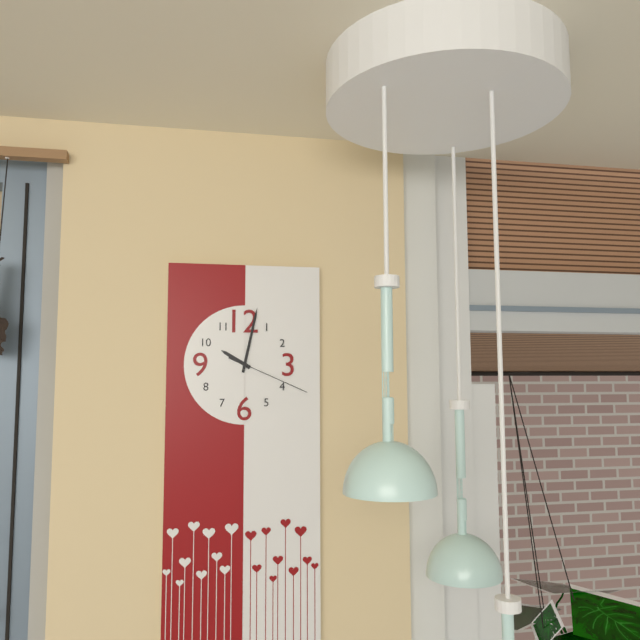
10:02:19
